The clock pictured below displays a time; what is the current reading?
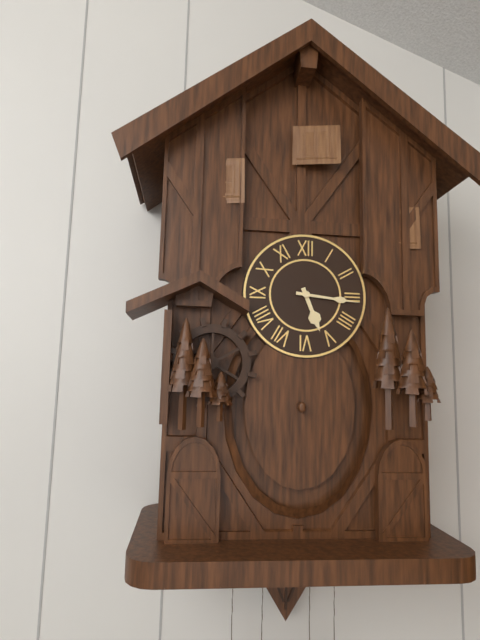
5:16
